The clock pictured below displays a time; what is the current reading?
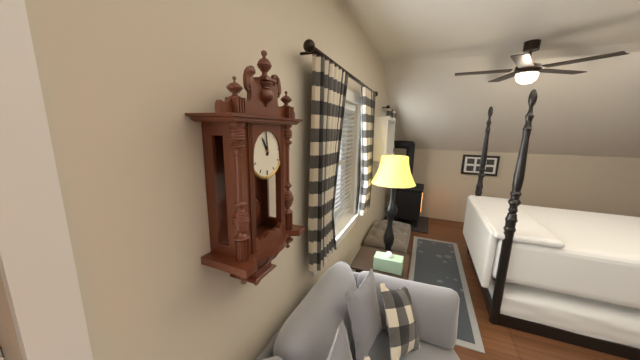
10:59
